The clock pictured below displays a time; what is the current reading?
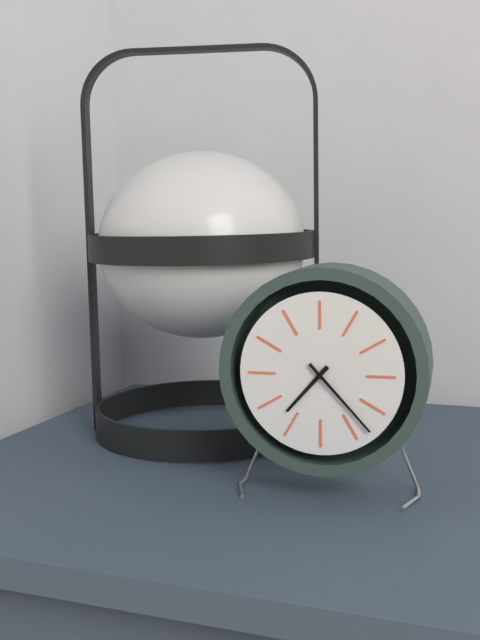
7:23
